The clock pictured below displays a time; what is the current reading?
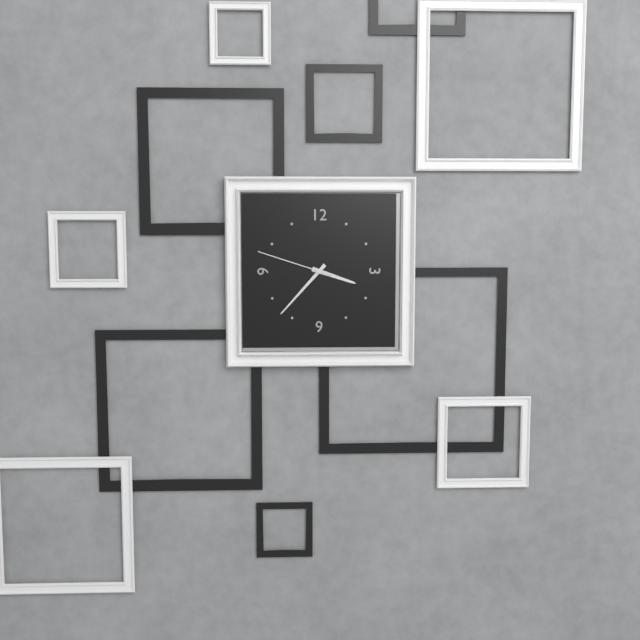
3:37:48
